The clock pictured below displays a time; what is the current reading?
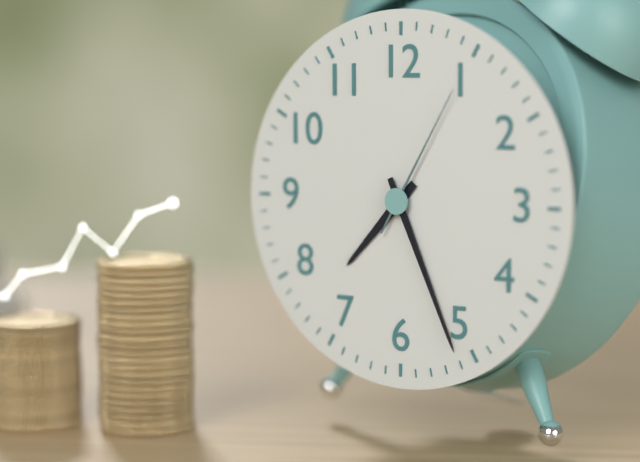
7:26:05
